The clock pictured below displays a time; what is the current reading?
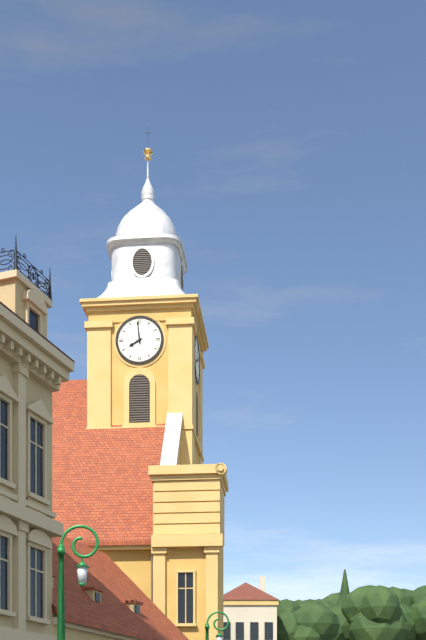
7:59
